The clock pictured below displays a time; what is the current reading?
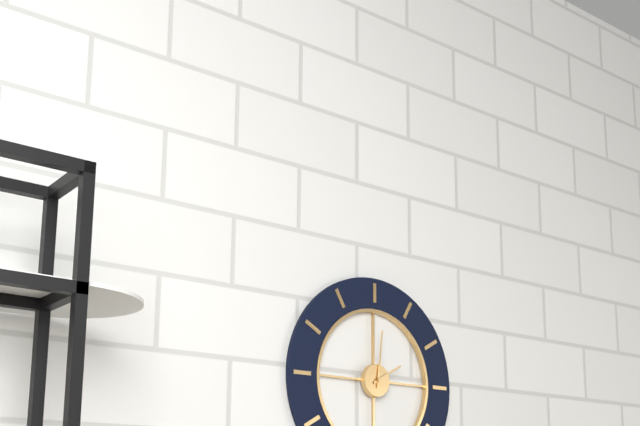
2:01
